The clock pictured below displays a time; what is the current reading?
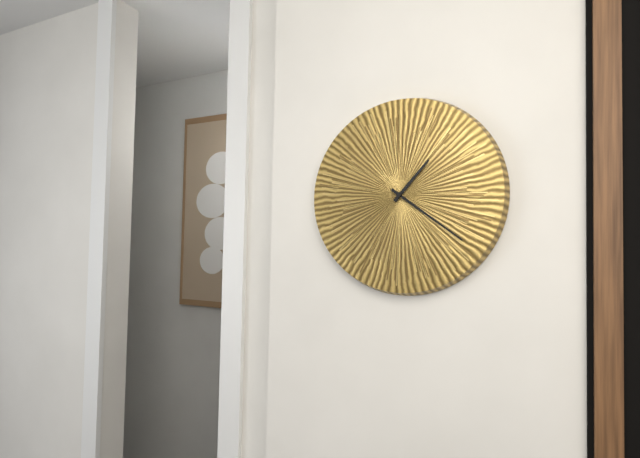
1:21
